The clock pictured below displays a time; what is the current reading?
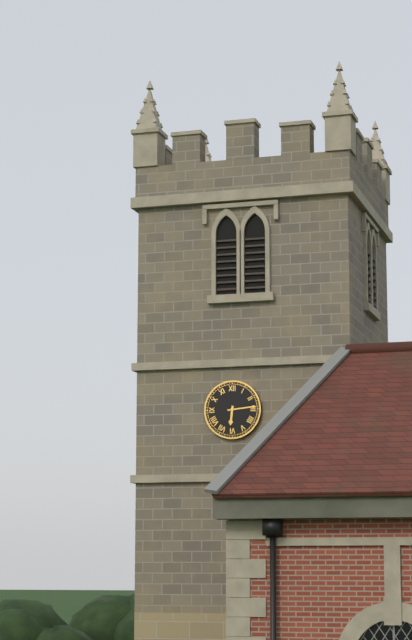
6:14
